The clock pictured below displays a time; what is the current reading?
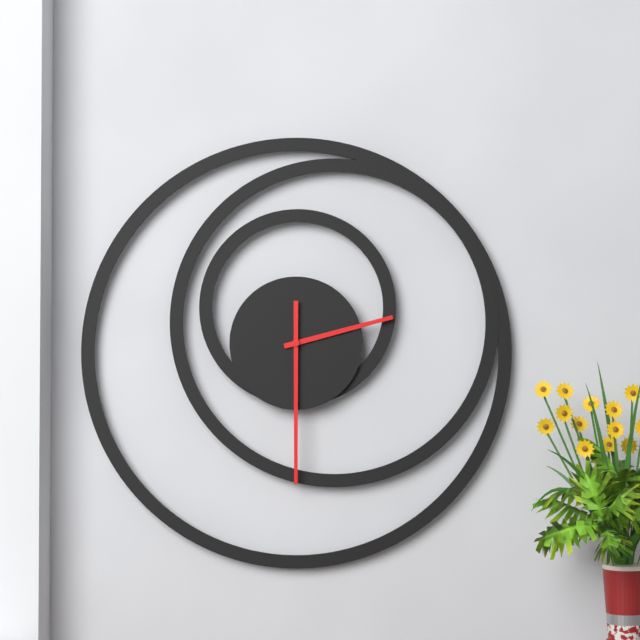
2:30
